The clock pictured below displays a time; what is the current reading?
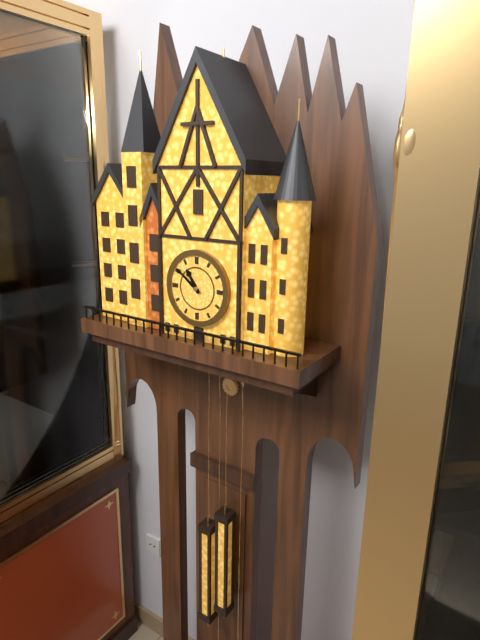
10:51
